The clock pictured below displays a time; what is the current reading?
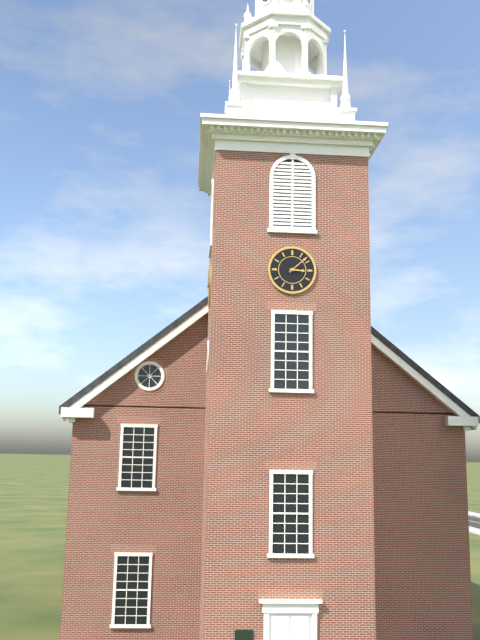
3:08
